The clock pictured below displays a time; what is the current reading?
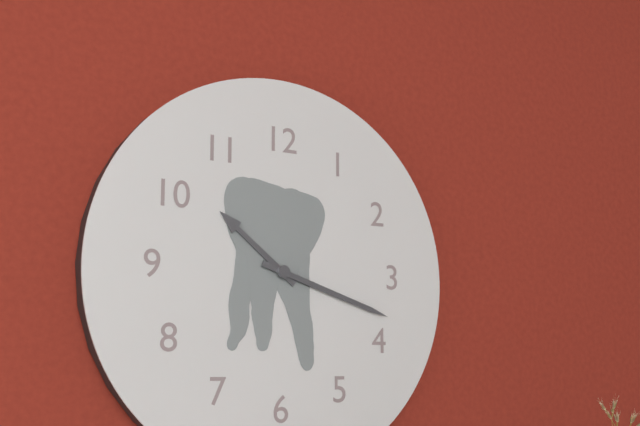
10:18
